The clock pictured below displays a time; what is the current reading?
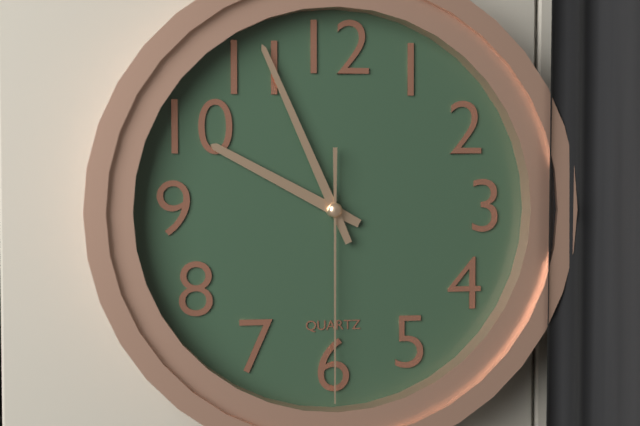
9:56:30
